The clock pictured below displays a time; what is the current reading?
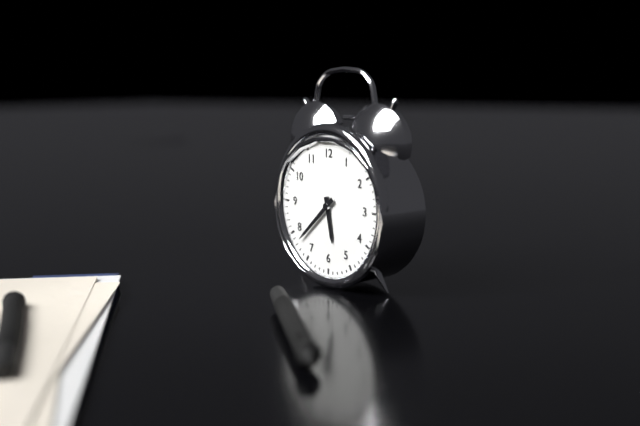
5:38
